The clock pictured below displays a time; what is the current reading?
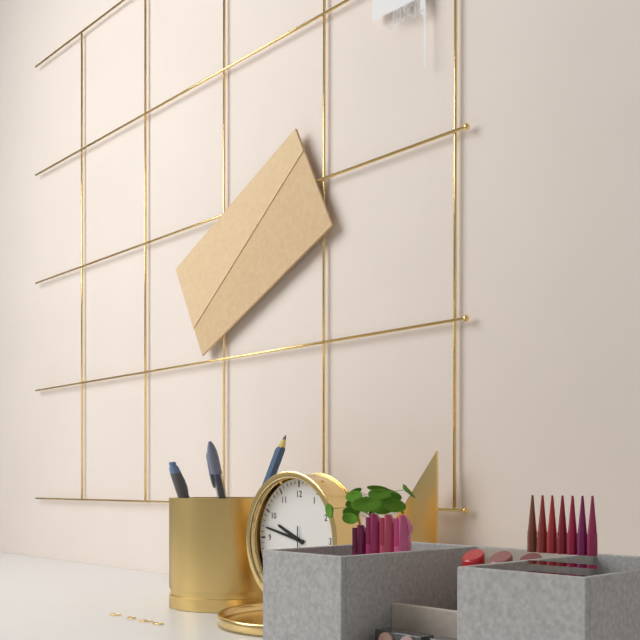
9:47
